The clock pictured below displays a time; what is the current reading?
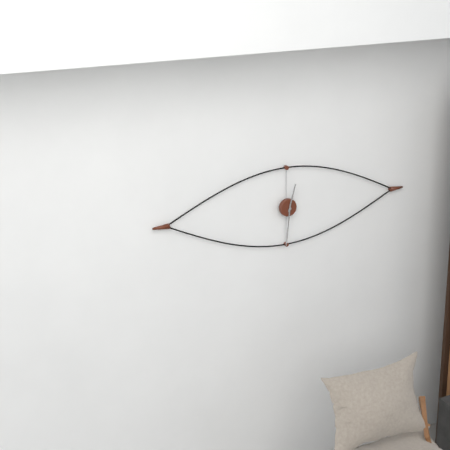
12:31
